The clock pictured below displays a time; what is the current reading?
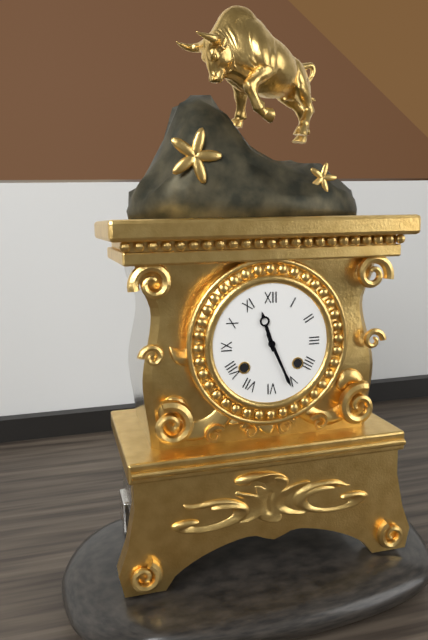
11:26
